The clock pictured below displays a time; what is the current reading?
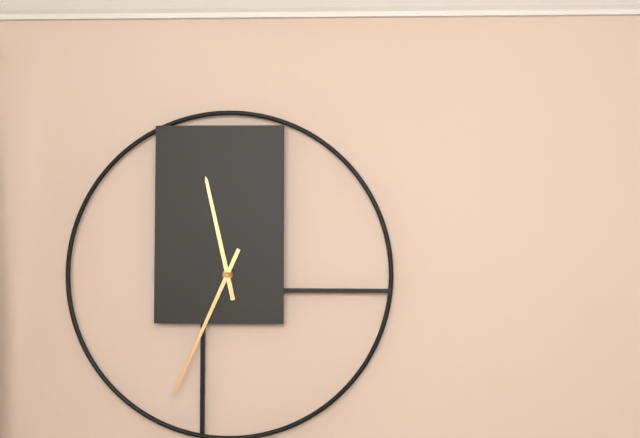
11:34
